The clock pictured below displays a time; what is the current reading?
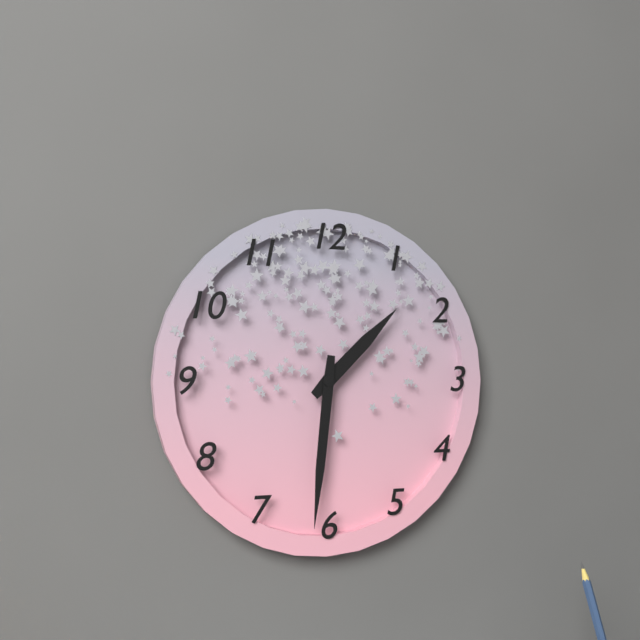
1:31
